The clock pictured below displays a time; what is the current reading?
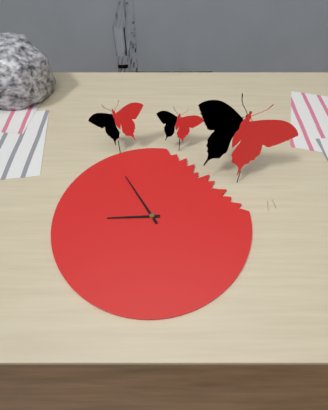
8:55
